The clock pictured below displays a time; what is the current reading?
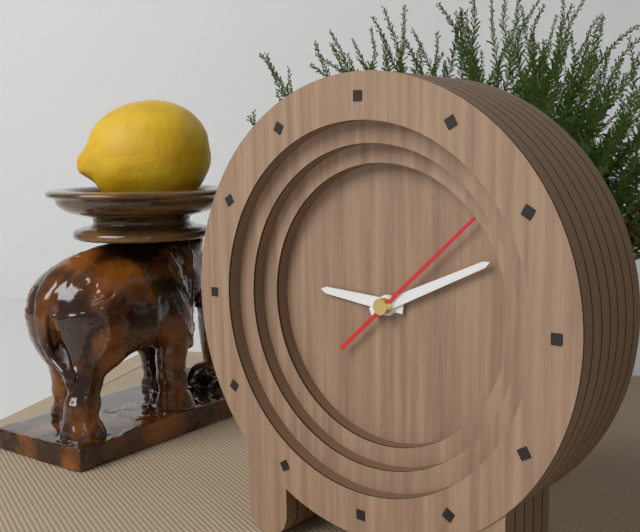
9:11:08
